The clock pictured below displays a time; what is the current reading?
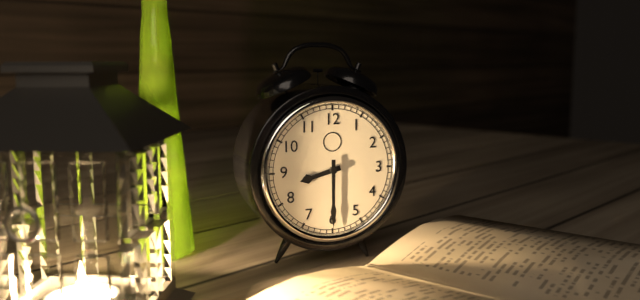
8:30
